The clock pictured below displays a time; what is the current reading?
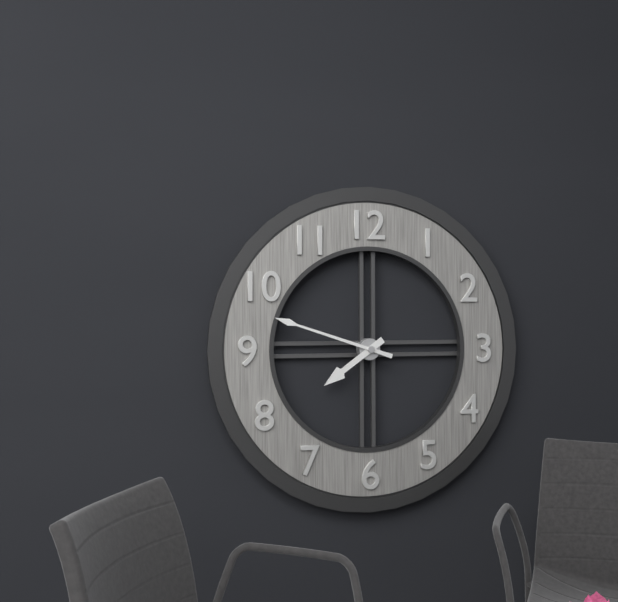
7:48
